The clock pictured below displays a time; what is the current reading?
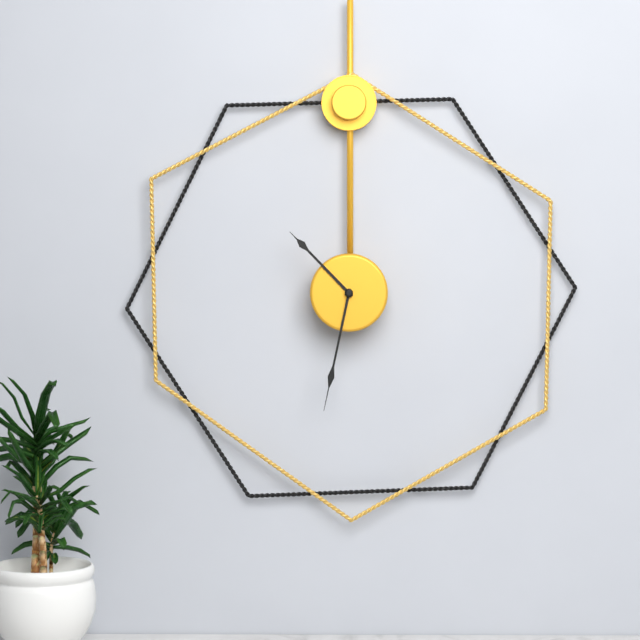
10:32
